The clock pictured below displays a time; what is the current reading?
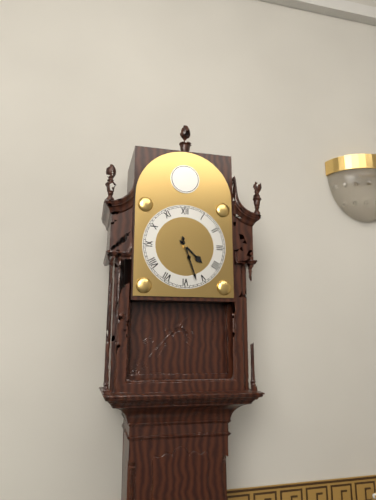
4:27
